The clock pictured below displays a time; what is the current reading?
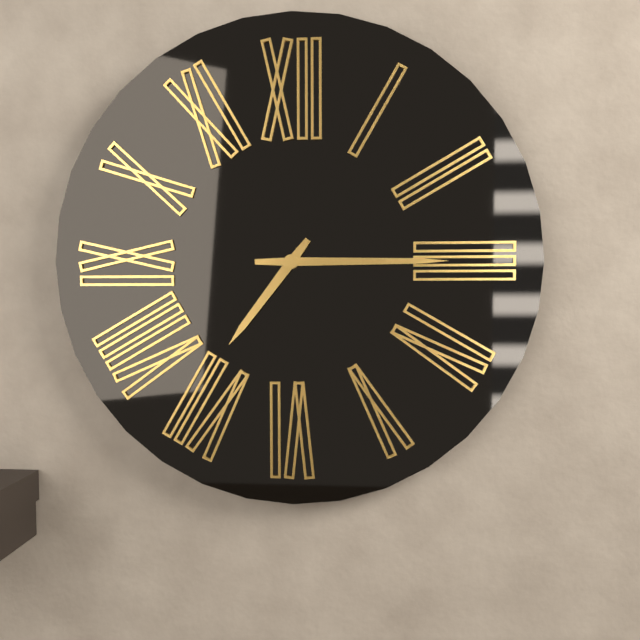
7:15
